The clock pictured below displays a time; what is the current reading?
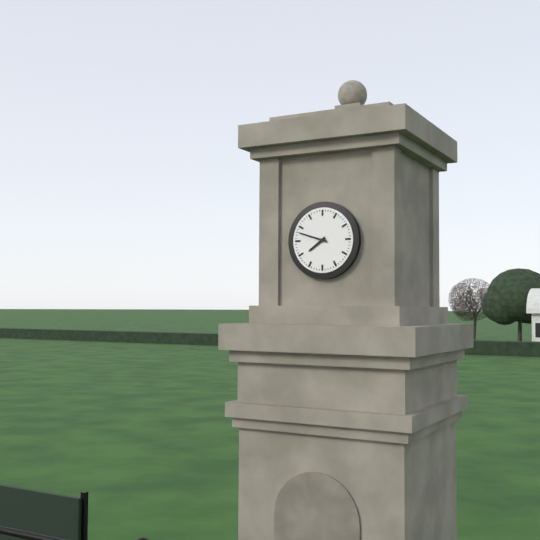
7:48
